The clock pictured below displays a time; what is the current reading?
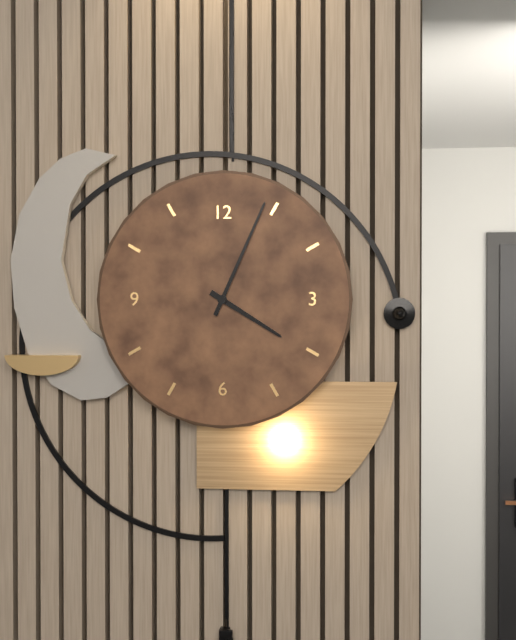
4:04
